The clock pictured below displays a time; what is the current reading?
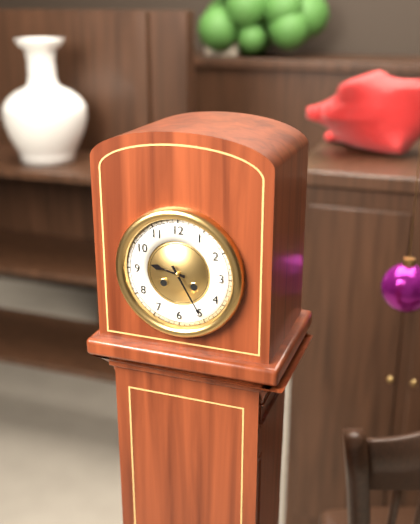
9:25
